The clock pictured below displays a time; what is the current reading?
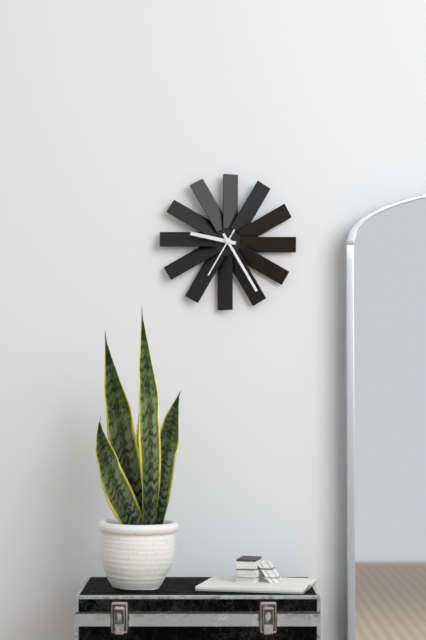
9:25
